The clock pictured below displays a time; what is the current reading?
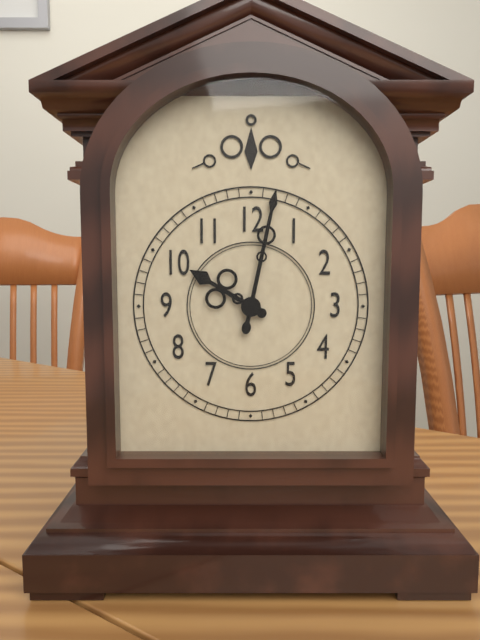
10:02
